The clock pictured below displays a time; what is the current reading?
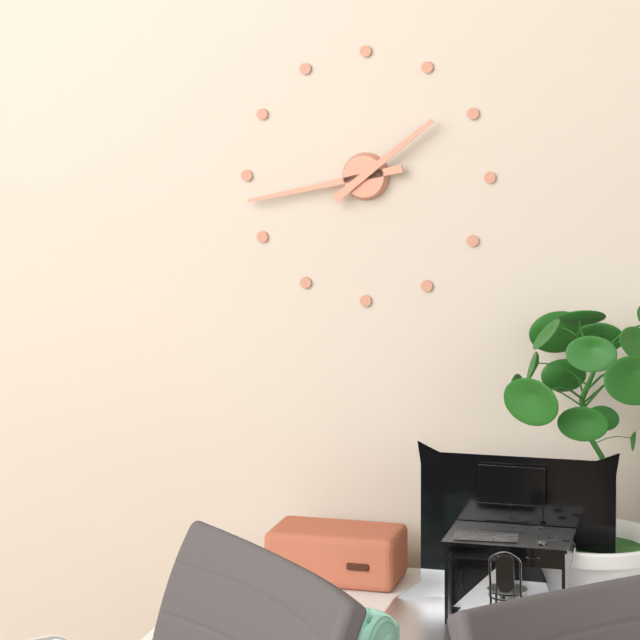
1:43
